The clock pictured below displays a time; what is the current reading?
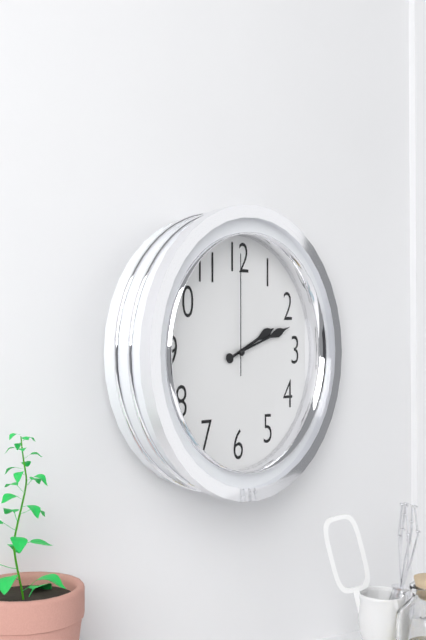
2:12:00
